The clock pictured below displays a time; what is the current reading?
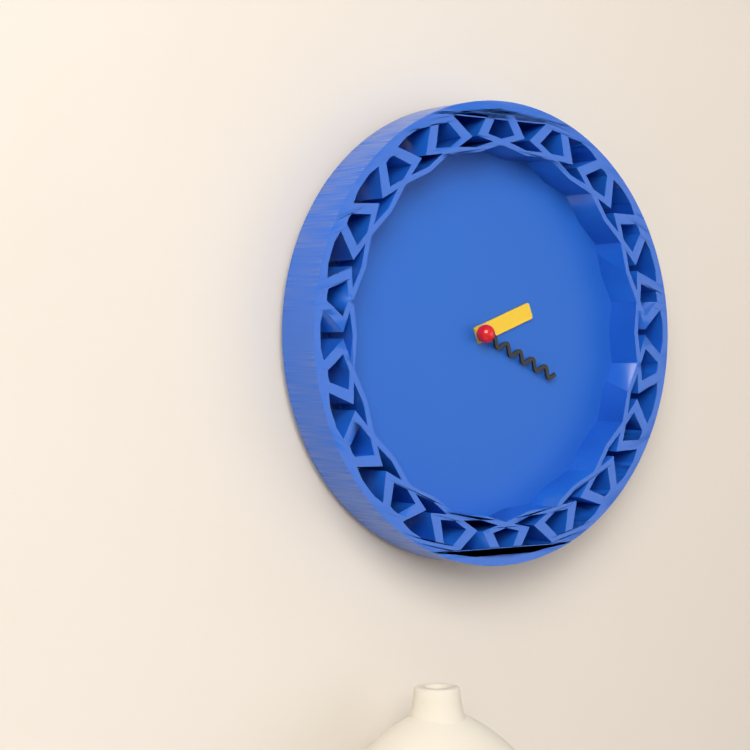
2:19
